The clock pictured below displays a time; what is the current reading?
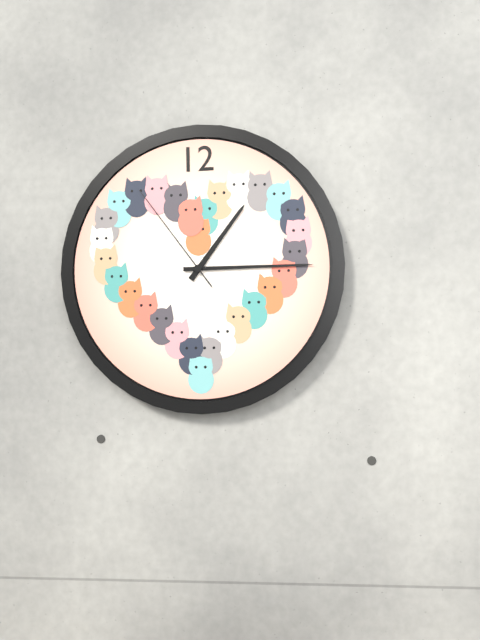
1:15:54
